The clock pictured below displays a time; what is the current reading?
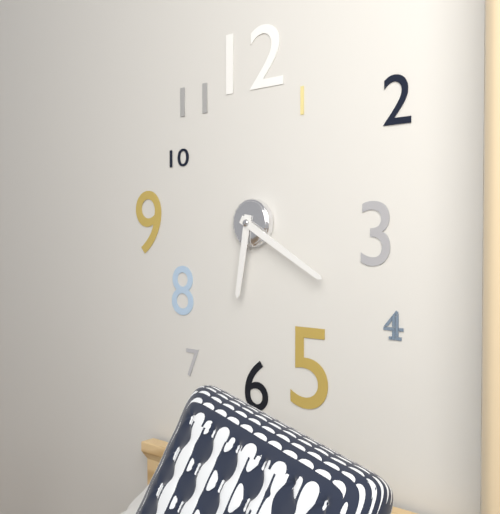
6:20
